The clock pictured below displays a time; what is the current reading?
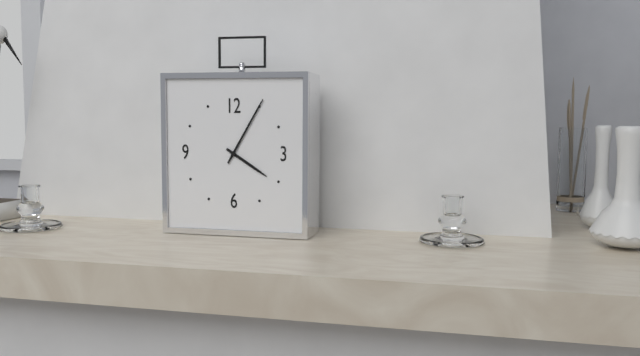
4:05
